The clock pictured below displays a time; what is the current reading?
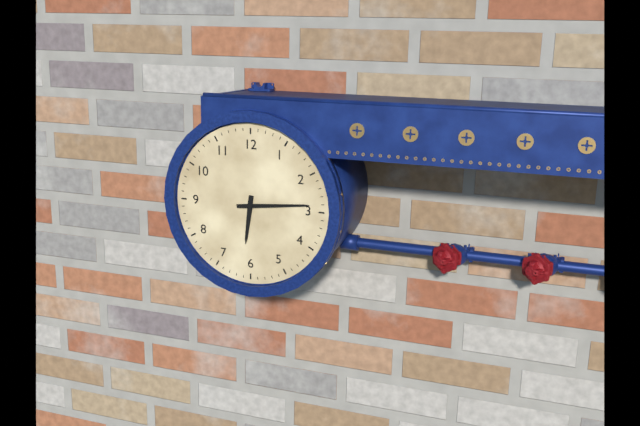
6:14
